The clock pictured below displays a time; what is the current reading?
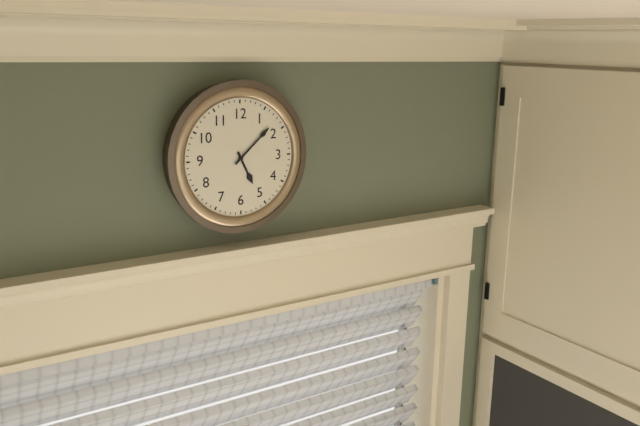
5:08
